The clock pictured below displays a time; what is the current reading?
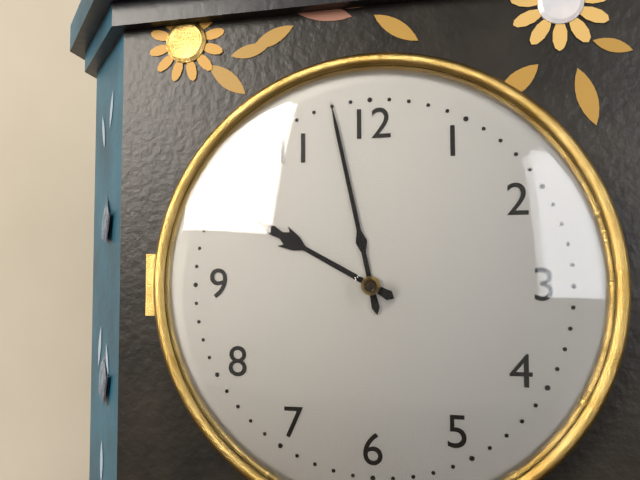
9:58
